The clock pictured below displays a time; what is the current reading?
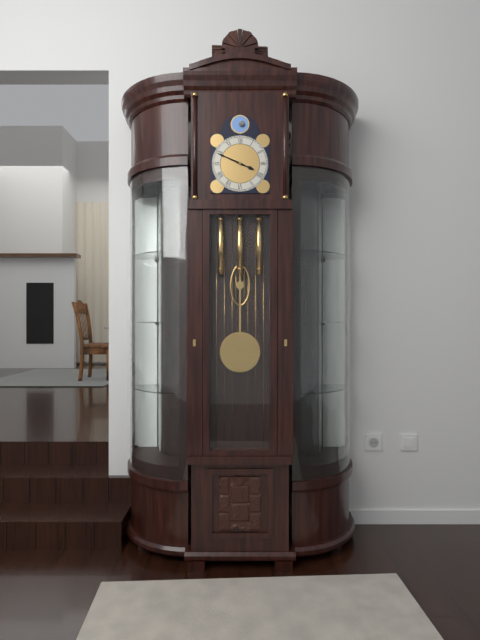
3:49
